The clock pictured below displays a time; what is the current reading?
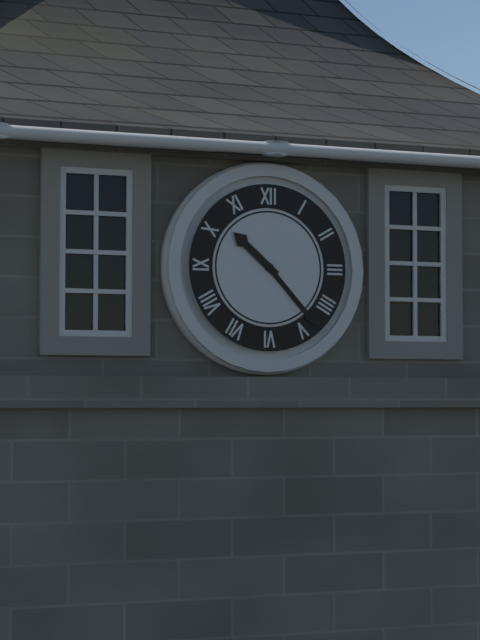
10:23
